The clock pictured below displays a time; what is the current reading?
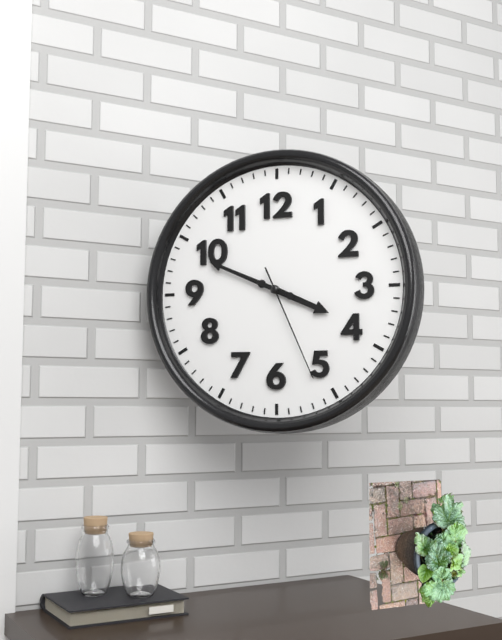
3:49:26
